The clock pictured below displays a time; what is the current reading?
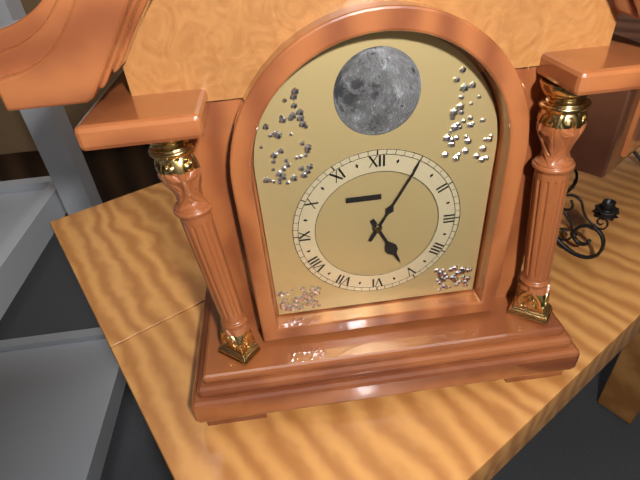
5:05
